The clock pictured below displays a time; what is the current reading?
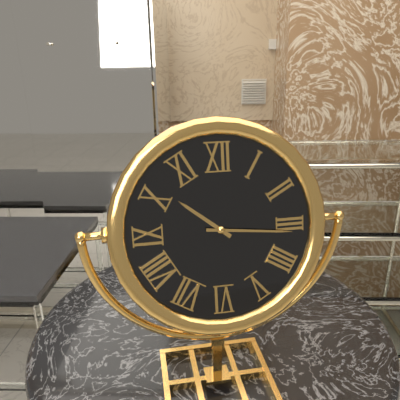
10:16
